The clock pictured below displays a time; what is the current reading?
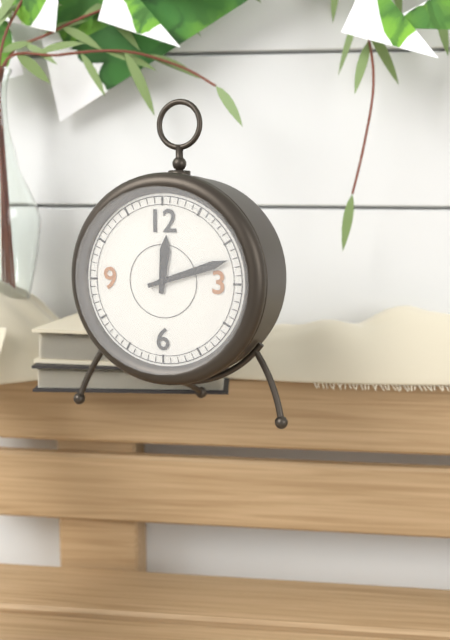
12:12
